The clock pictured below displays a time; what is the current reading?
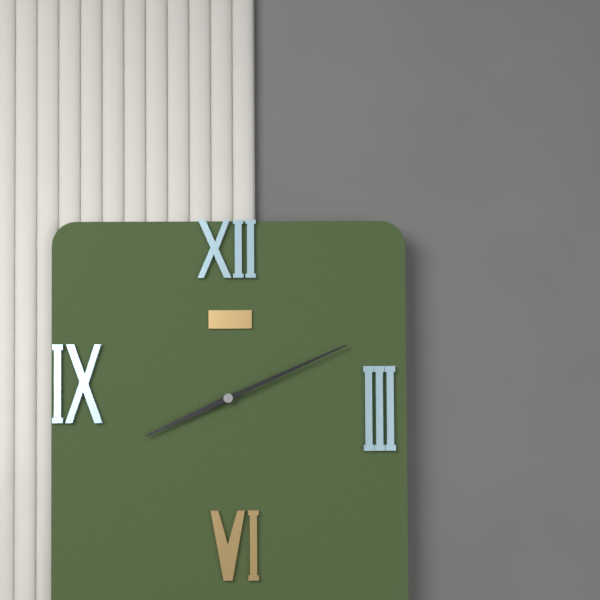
8:11
